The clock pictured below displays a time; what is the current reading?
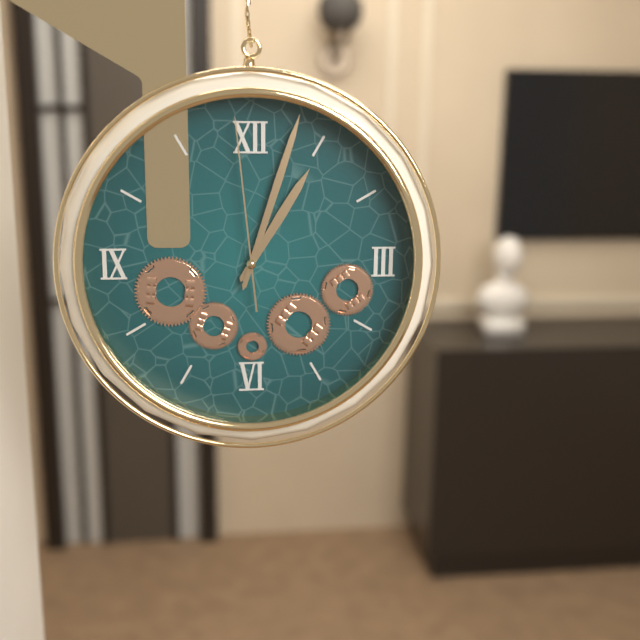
1:03:59
